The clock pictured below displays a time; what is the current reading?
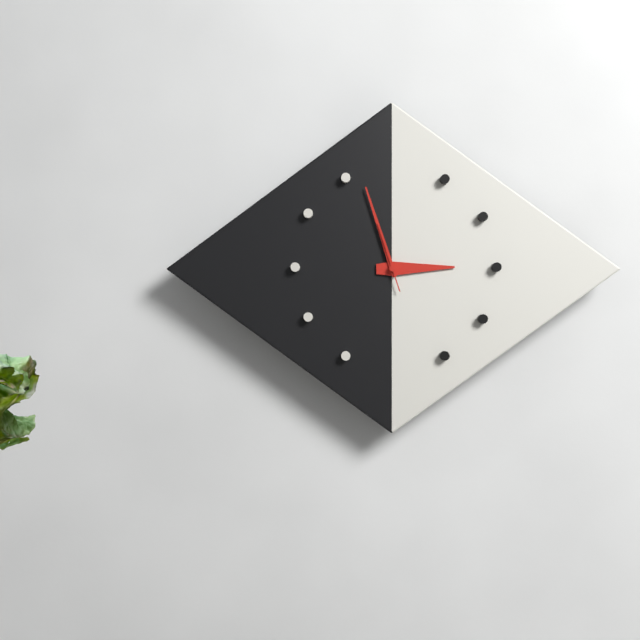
2:57:57
